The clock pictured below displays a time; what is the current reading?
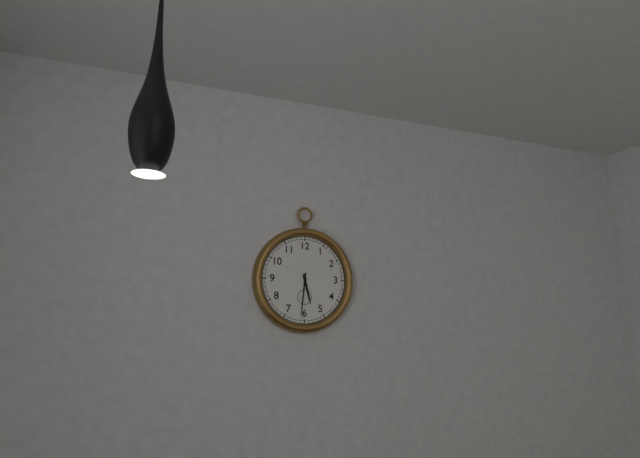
5:31
